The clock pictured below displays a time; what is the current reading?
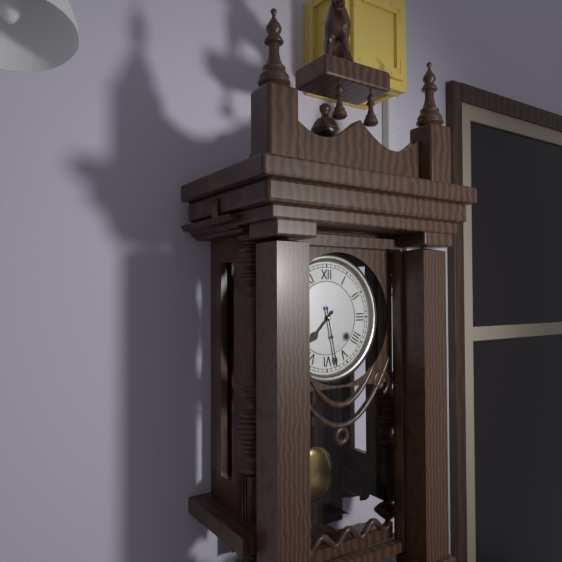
7:28
